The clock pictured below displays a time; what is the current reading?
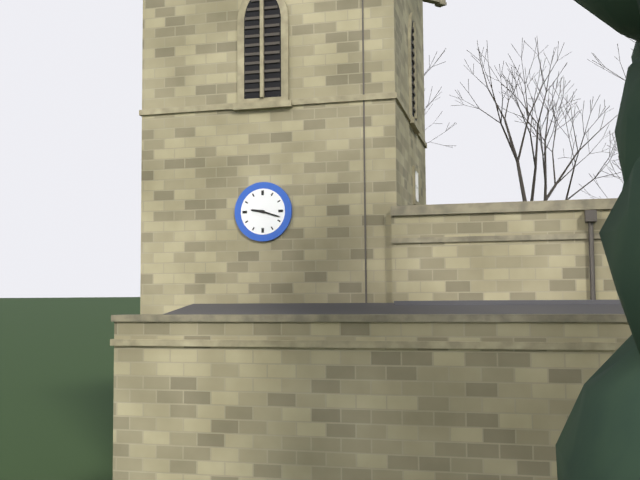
9:18
